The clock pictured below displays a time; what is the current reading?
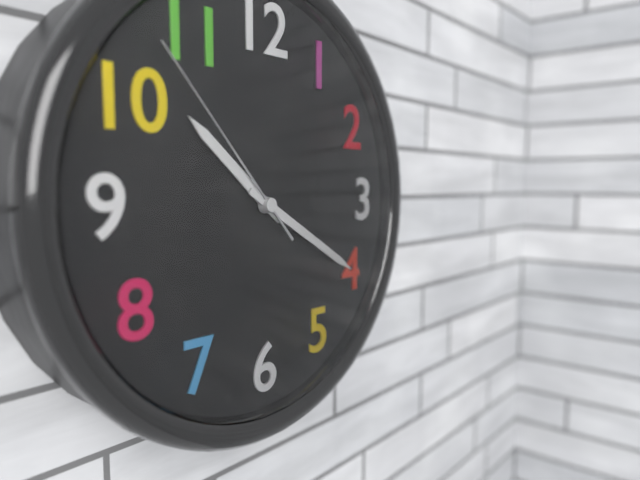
10:20:53
